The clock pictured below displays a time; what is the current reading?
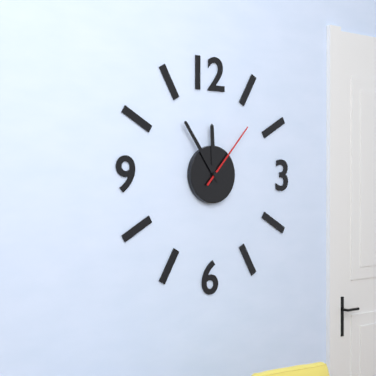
11:54:07
